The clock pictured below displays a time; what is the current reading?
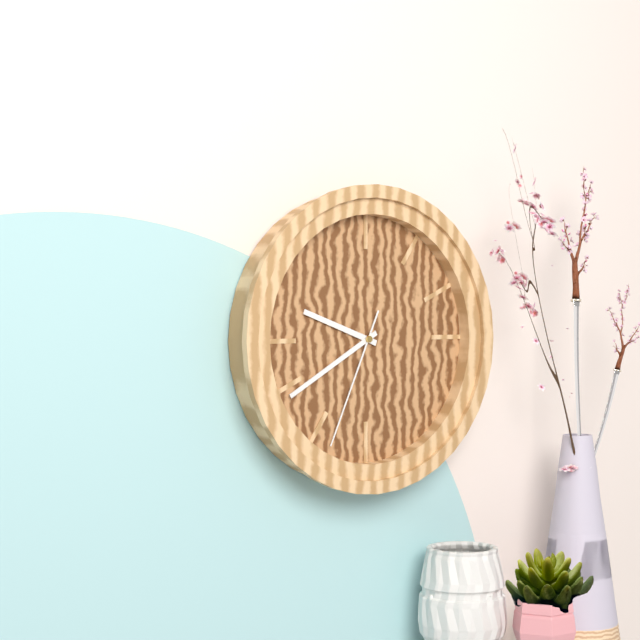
9:40:34
